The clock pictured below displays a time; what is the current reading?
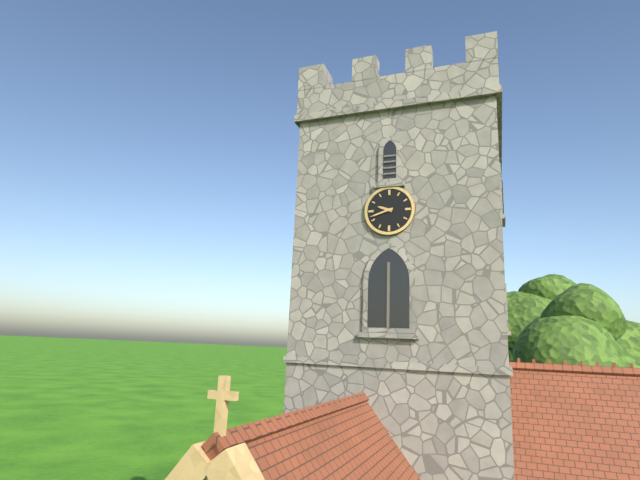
9:42
